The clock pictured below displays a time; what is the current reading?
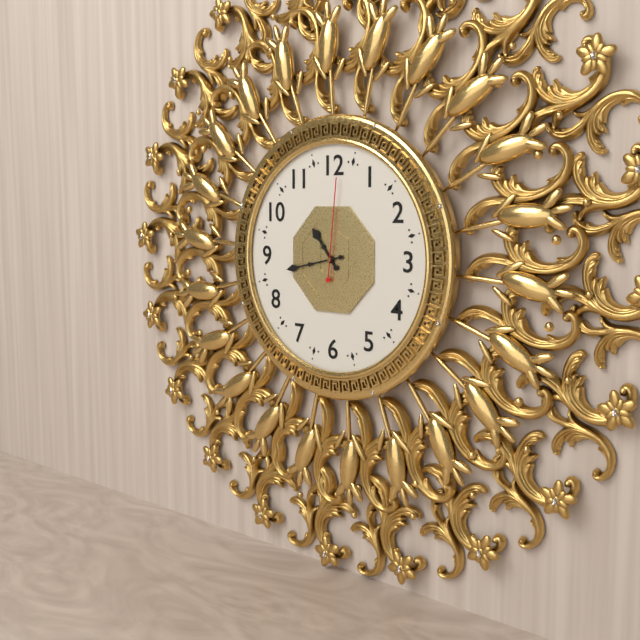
10:43:01
